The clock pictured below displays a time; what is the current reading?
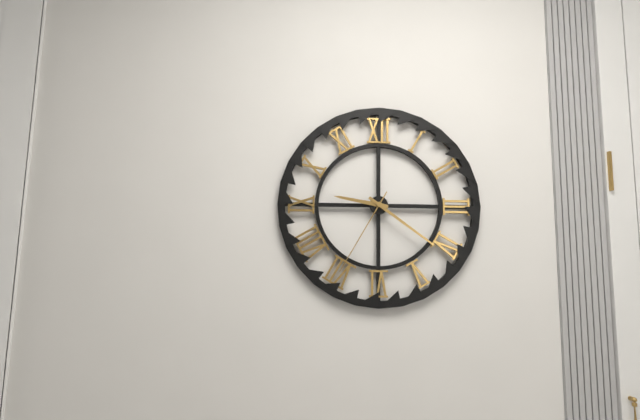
9:21:35
